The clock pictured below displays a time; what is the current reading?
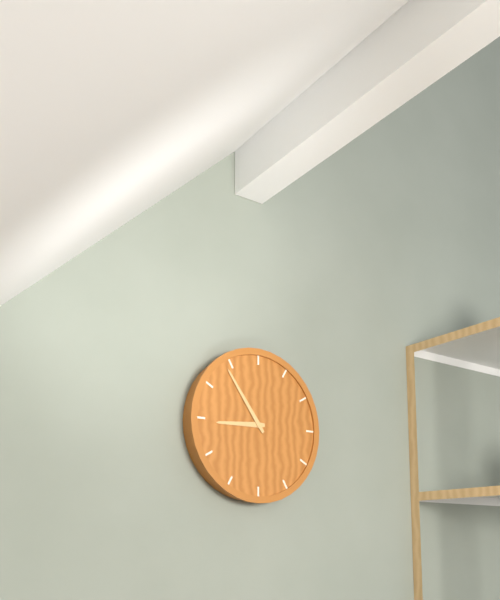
8:54
